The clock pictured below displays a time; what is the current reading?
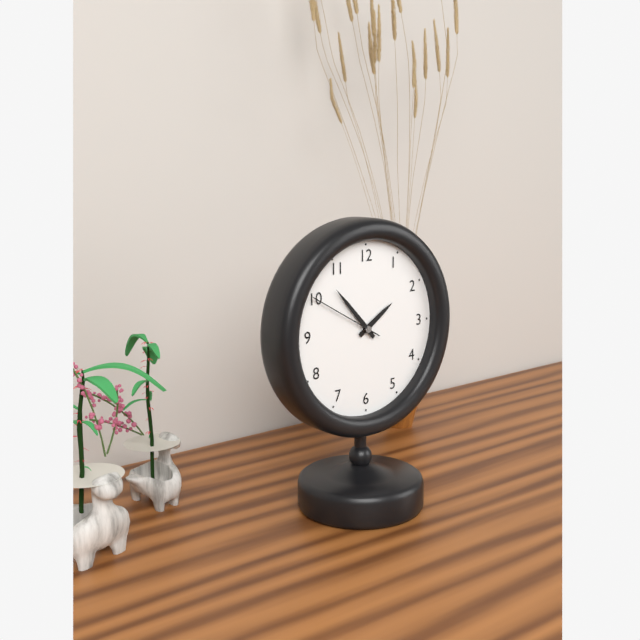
1:53:50
